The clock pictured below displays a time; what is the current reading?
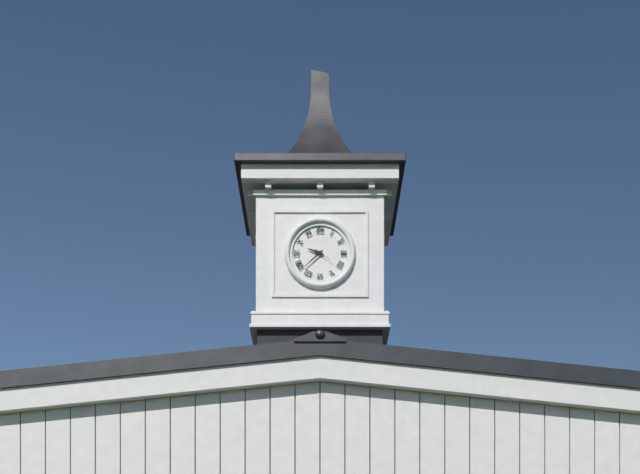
9:38
